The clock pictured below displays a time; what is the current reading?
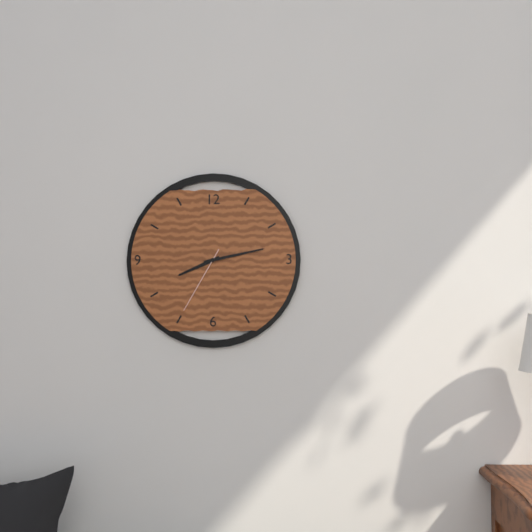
8:13:35
